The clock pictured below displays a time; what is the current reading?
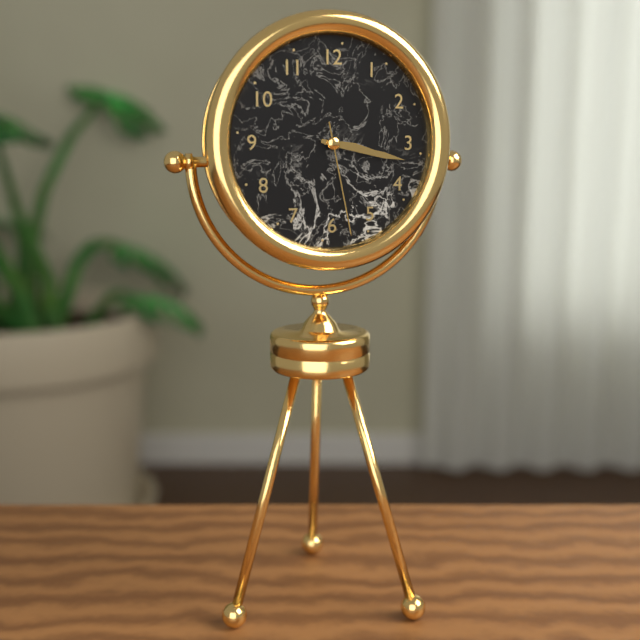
3:17:28
